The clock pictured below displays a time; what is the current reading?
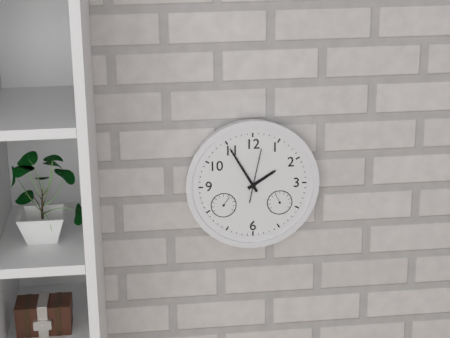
1:55
